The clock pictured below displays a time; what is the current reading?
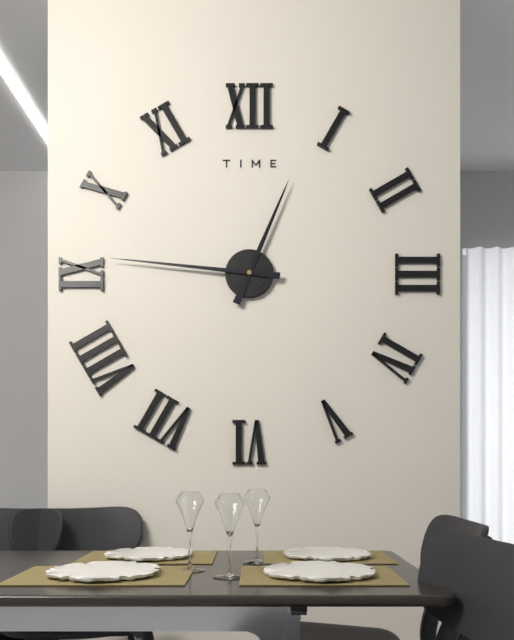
12:46
